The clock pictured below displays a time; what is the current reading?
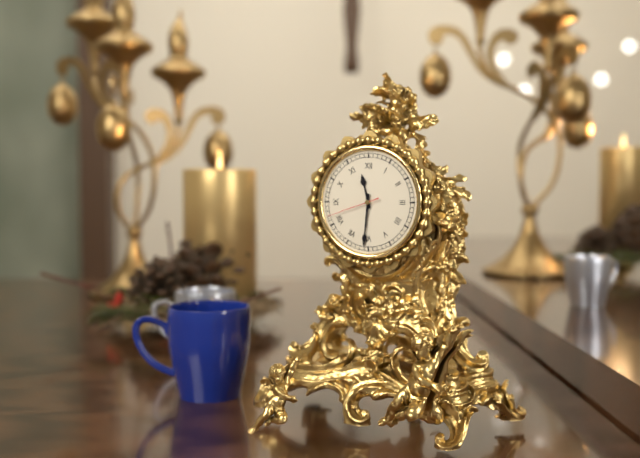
11:31:42
